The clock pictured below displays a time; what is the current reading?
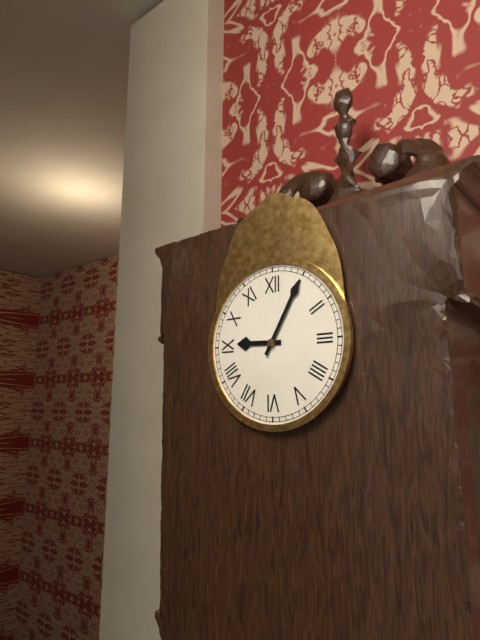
9:05
